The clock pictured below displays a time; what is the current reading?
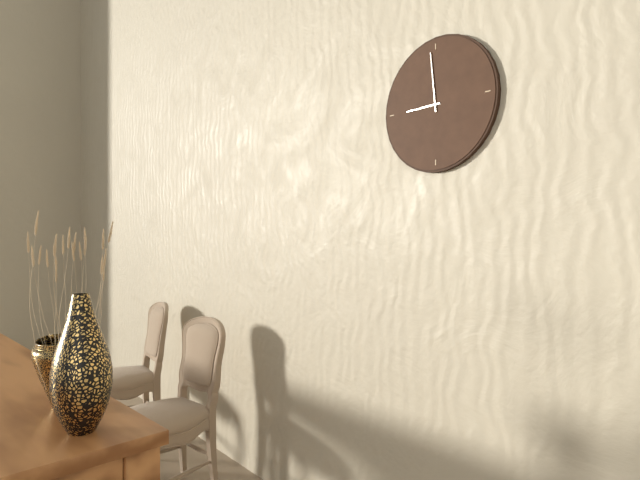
8:59
